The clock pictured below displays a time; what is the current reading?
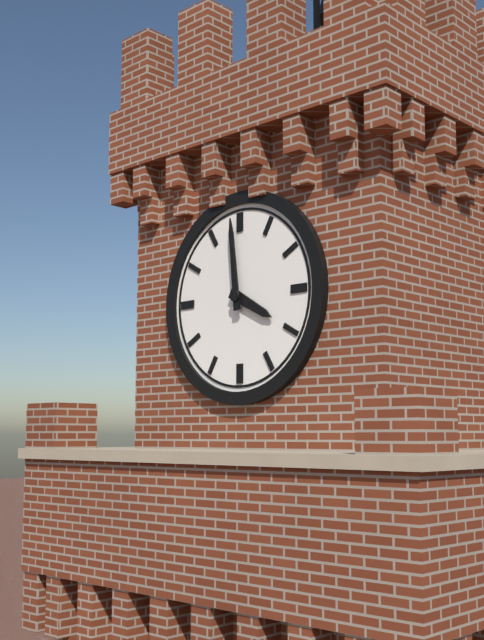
3:59
